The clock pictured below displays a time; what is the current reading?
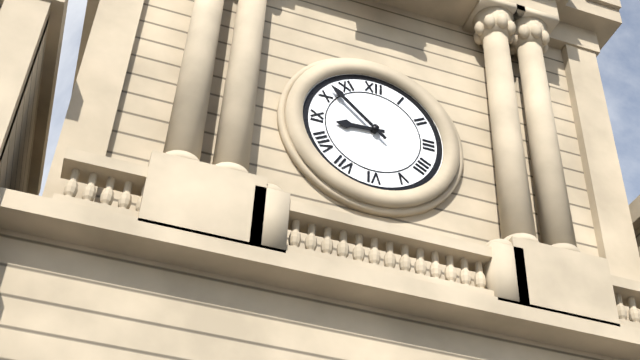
8:52
